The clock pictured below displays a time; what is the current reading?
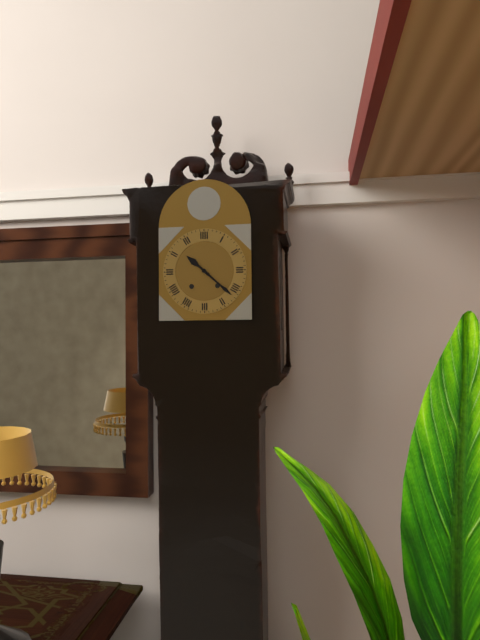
10:22
